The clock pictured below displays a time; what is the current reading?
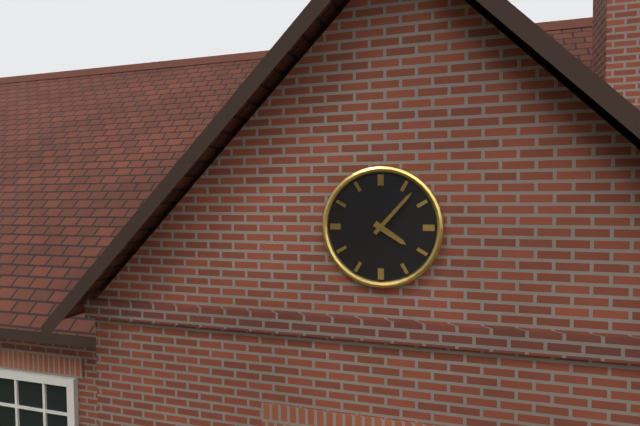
4:07
